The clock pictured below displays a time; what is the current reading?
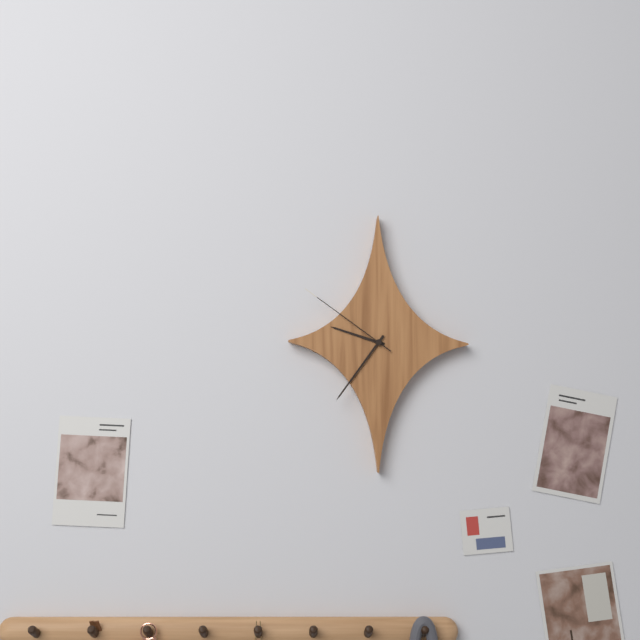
9:36:51
